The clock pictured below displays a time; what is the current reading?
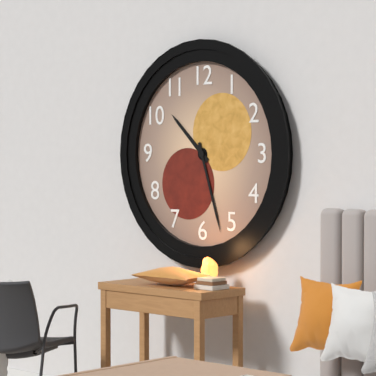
10:27
